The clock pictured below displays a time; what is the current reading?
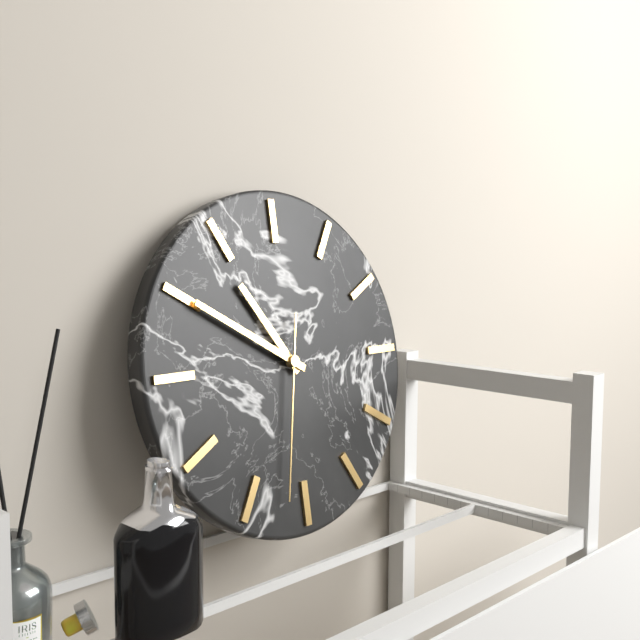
10:50:32
